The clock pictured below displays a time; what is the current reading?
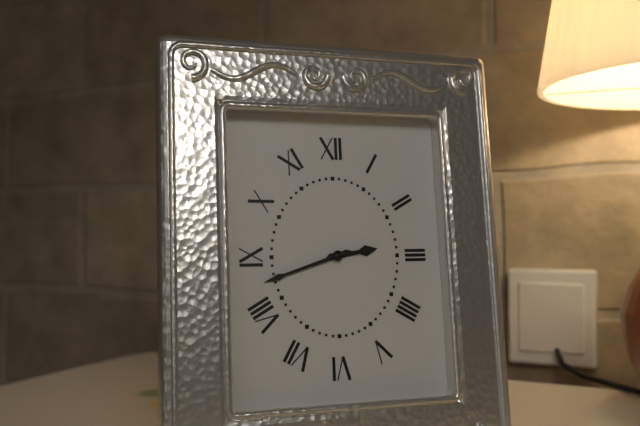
2:42
